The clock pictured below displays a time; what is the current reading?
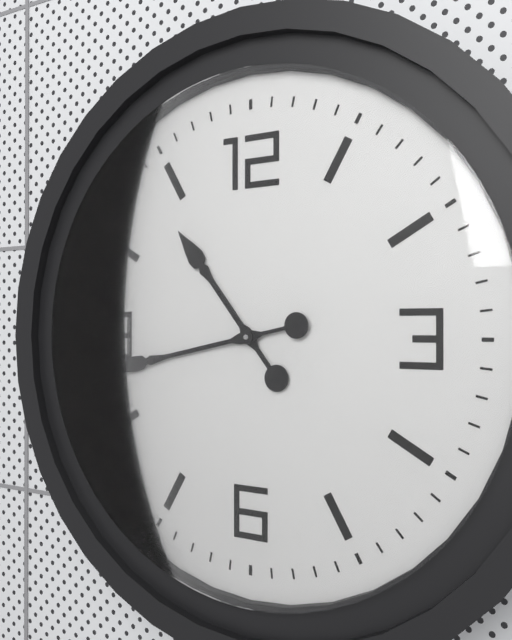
10:43
